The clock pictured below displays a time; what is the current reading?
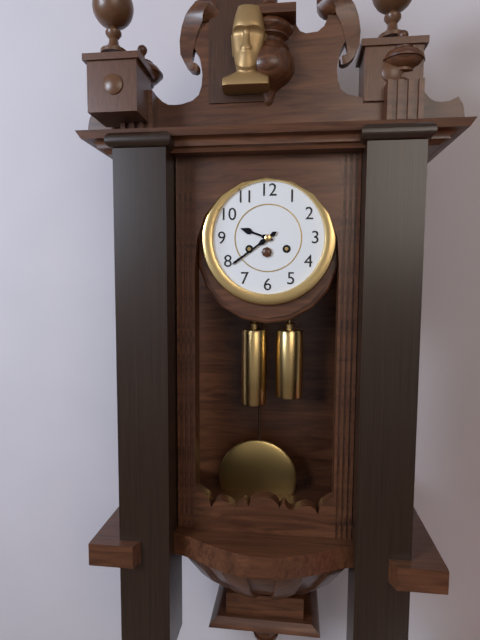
9:39
